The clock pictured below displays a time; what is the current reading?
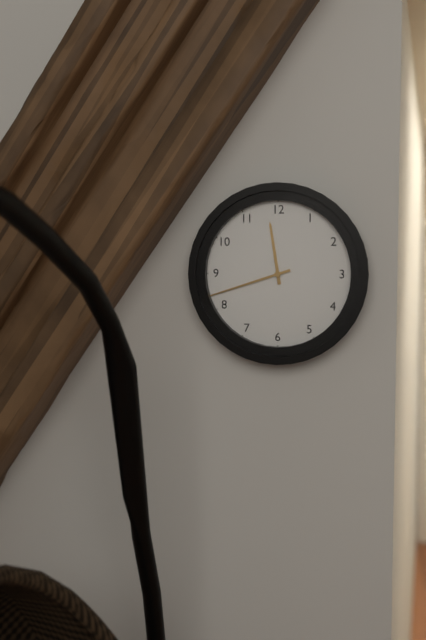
11:42
